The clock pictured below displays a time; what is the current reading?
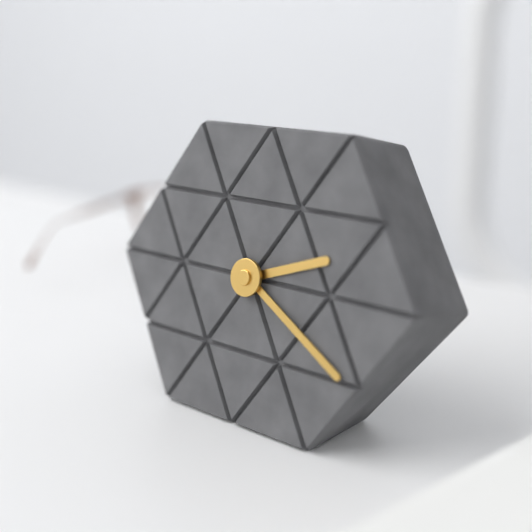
2:20
